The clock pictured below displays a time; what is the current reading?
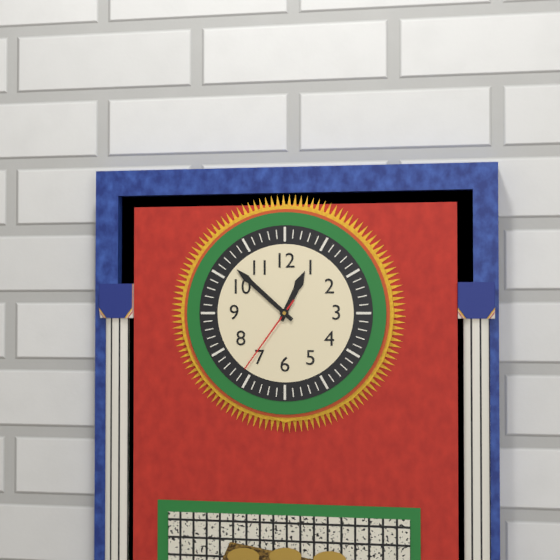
12:52:36
